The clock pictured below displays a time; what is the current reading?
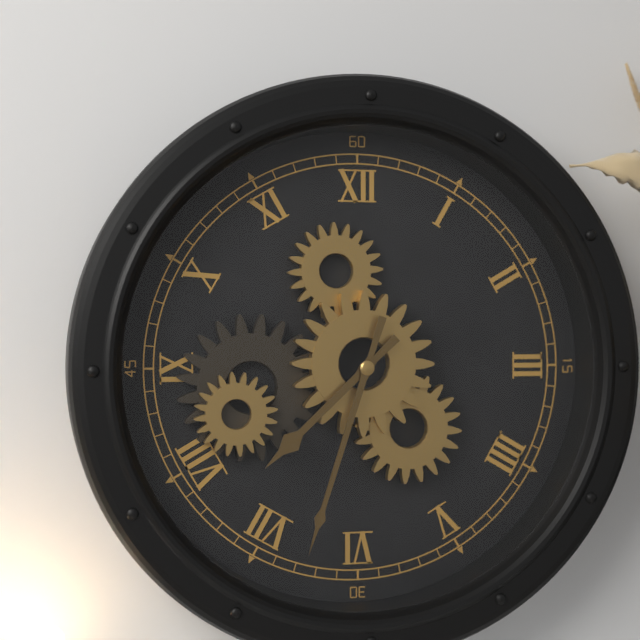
7:33
